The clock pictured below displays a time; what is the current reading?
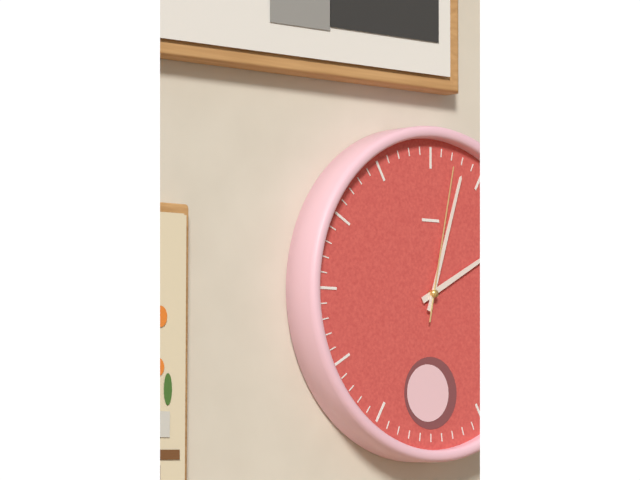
2:03:02
